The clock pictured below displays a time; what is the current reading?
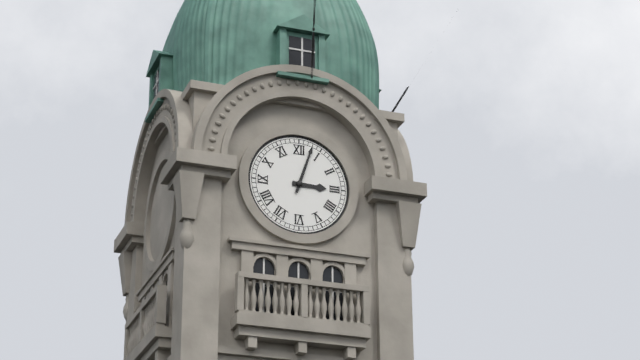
3:03
